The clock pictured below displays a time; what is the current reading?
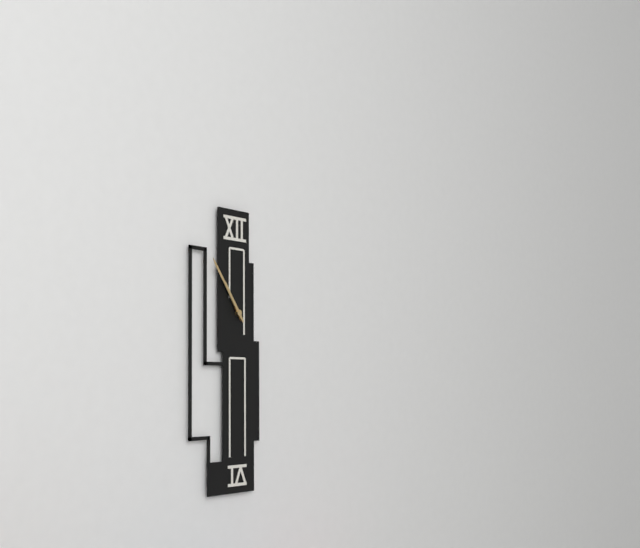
10:54
